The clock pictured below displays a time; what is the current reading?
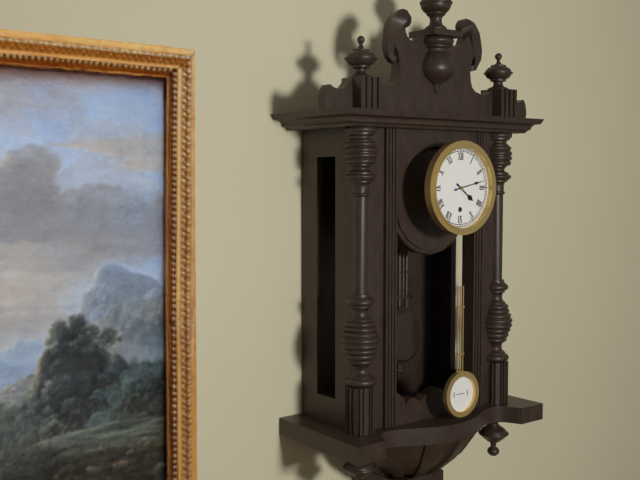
4:13
